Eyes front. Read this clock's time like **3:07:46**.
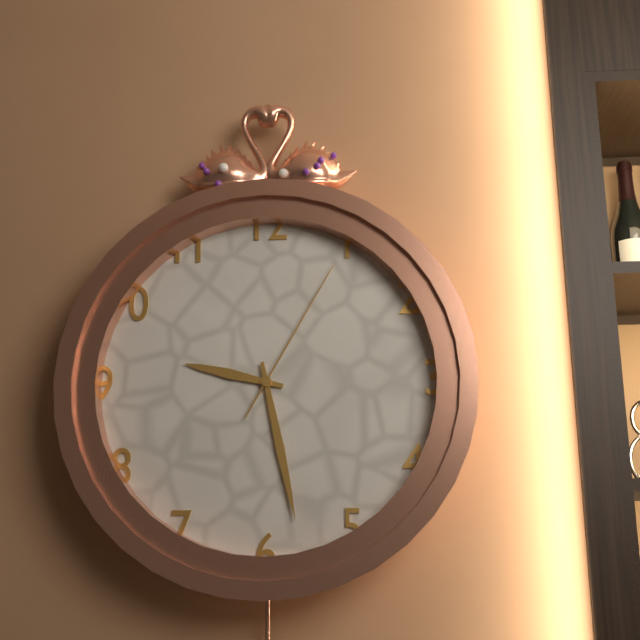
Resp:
**9:28:05**
